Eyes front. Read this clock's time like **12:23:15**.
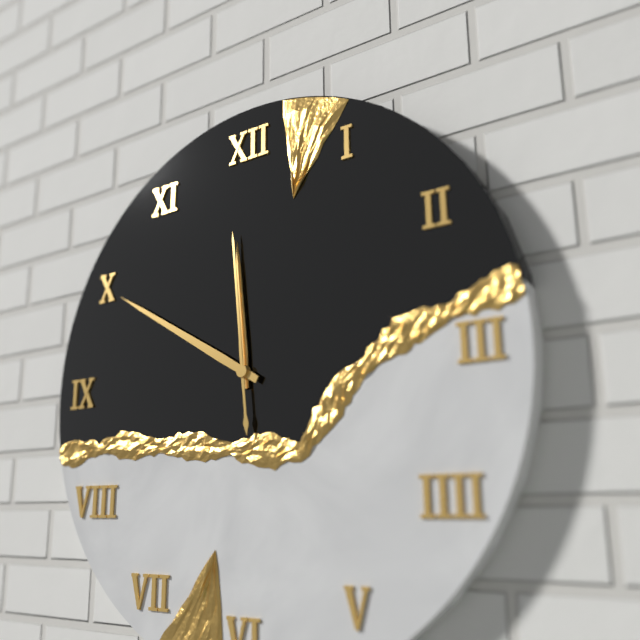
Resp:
**11:50:59**
